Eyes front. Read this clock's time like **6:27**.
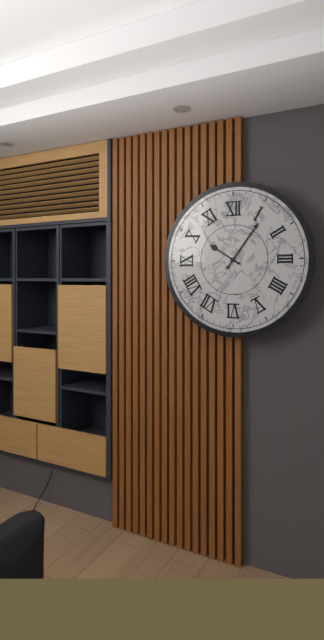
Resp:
**10:06**
